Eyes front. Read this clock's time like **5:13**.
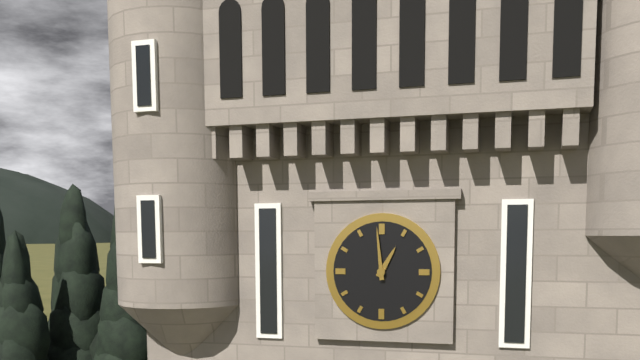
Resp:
**12:59**
